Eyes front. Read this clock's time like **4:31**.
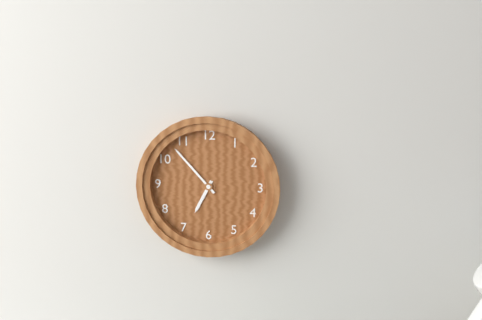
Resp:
**6:53**
